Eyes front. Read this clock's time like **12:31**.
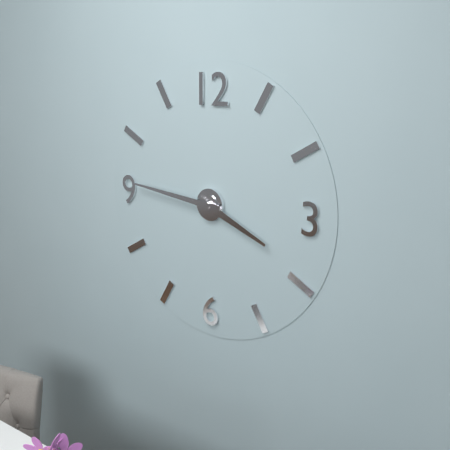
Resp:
**3:46**
